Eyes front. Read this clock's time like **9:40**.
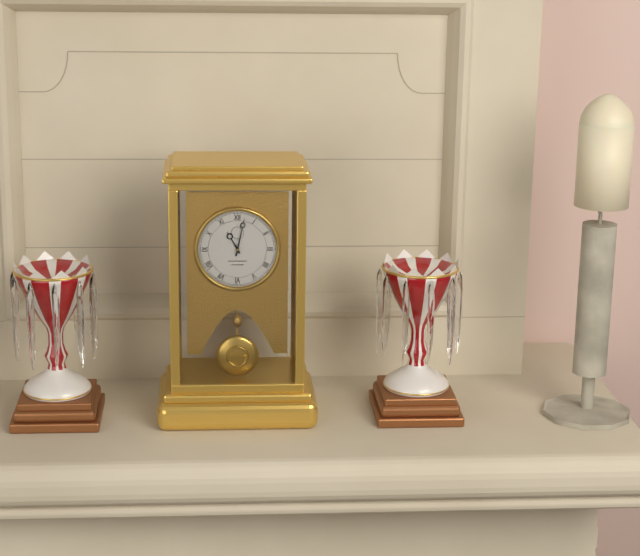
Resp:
**11:02**
